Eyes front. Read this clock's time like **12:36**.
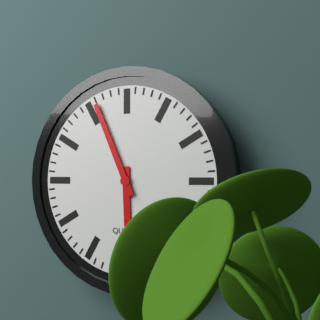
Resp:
**5:56**
